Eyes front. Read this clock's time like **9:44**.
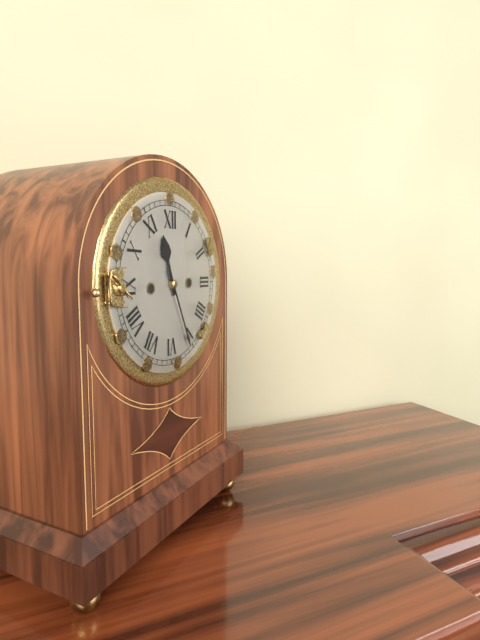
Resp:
**11:26**
